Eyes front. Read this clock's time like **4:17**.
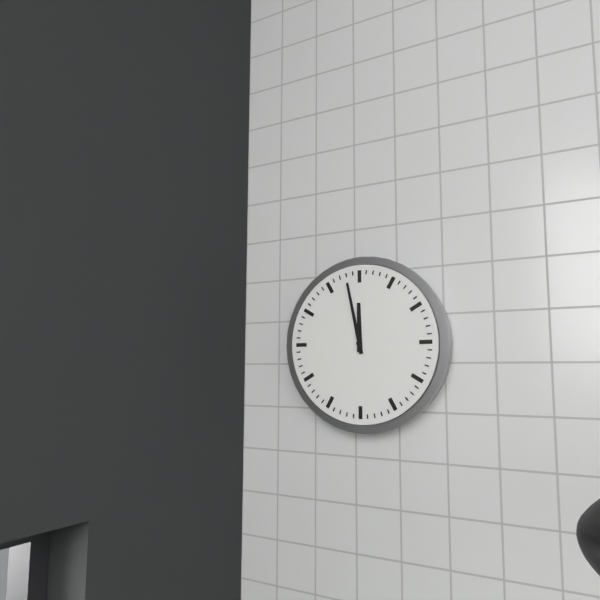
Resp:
**11:58**
